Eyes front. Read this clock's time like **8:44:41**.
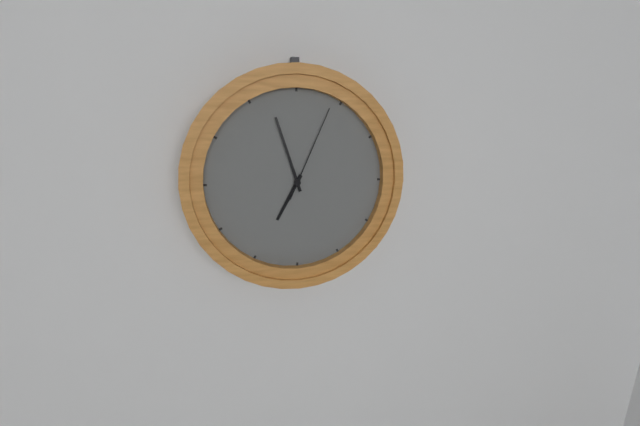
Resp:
**6:57:04**
